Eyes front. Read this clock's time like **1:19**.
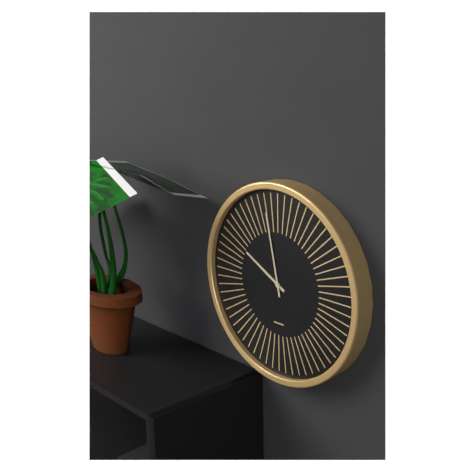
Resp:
**9:58**
